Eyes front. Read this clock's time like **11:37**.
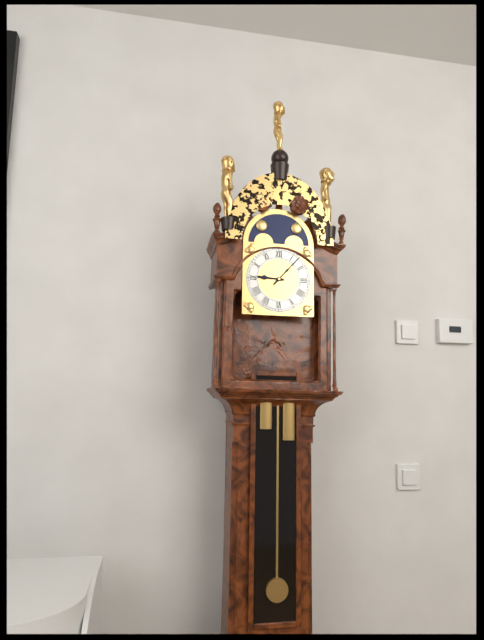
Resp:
**9:07**
